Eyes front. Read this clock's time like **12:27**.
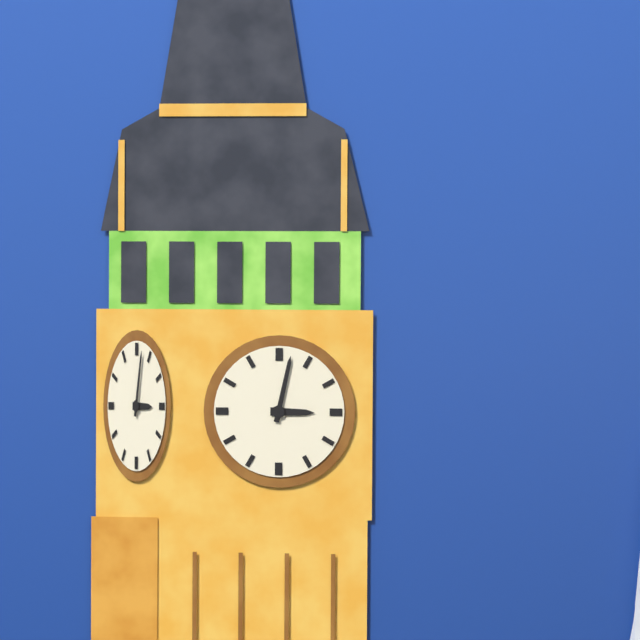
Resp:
**3:02**
